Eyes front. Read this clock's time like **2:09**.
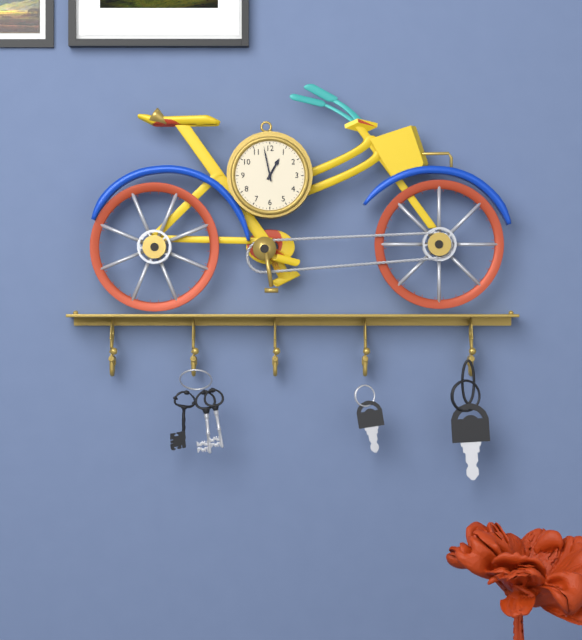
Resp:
**12:58**
